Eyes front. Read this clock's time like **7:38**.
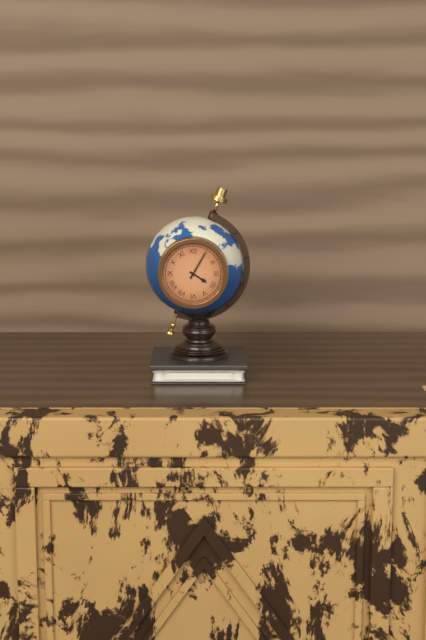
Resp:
**4:05**
